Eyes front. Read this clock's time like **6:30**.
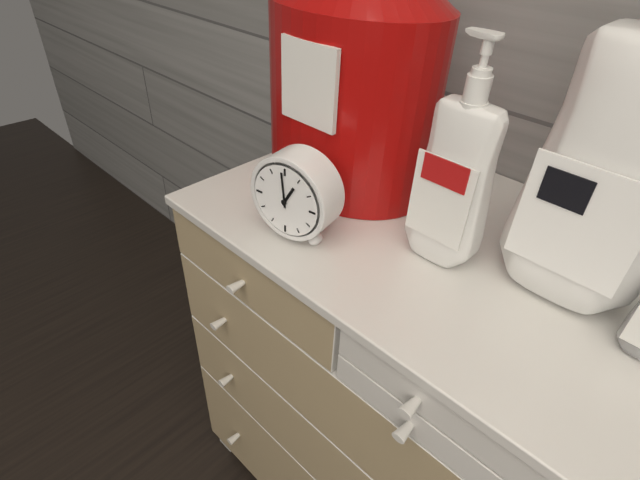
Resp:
**12:59**
